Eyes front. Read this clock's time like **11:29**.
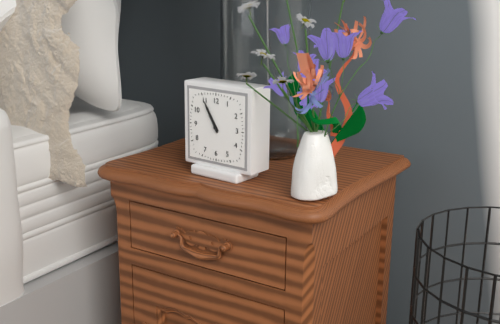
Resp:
**10:55**
